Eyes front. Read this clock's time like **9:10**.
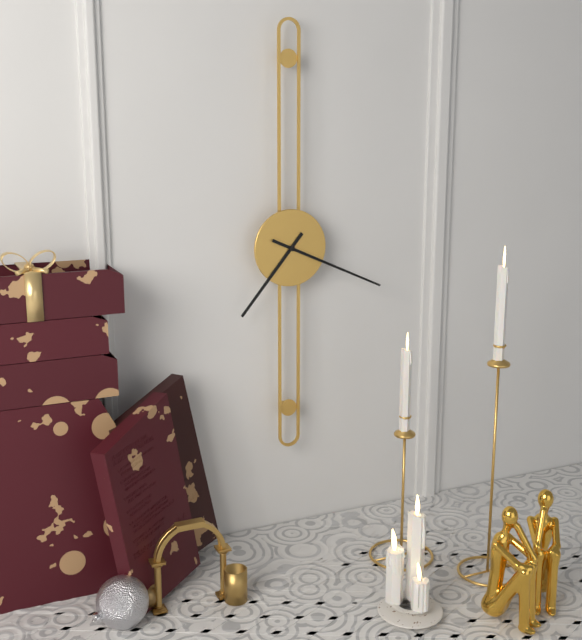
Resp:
**7:19**
